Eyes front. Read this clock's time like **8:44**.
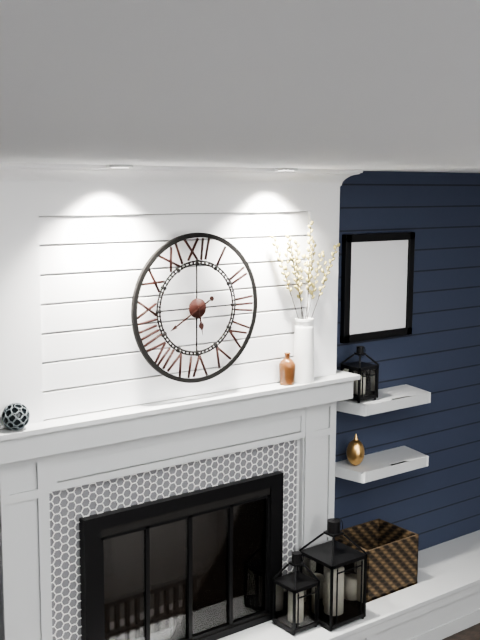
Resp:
**5:40**
